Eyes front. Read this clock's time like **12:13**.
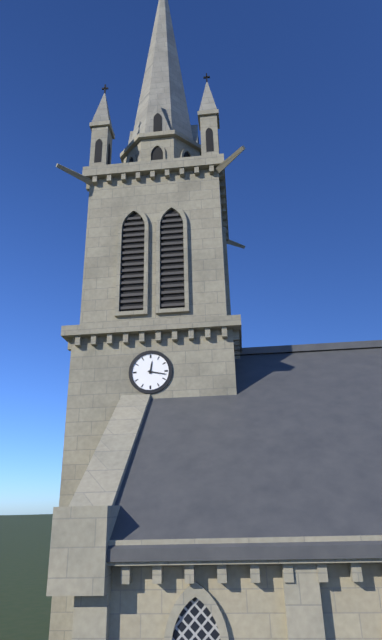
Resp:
**12:17**
